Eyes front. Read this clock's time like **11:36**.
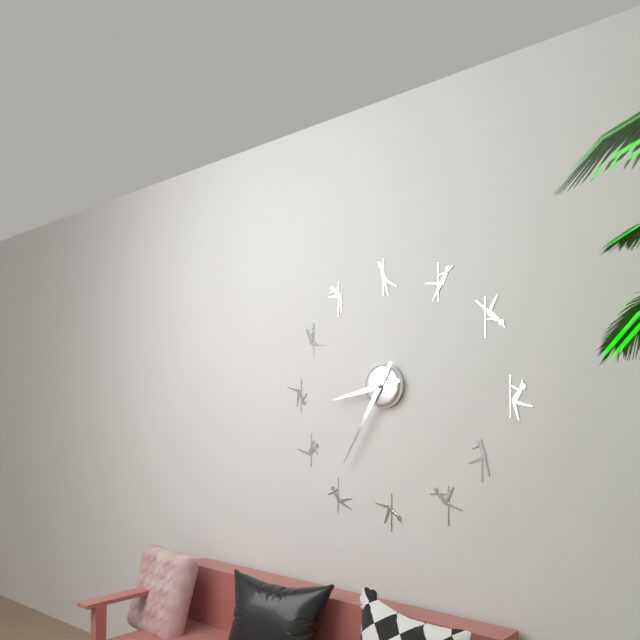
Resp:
**8:35**
